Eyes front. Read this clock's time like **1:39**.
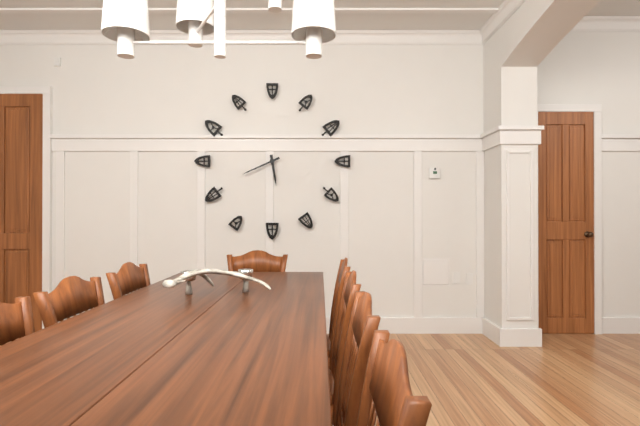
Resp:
**5:41**
